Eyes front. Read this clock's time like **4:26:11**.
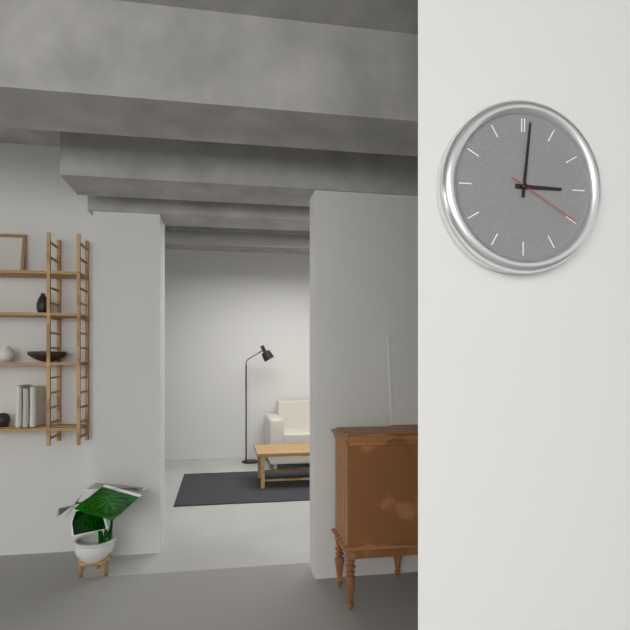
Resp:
**3:01:20**
